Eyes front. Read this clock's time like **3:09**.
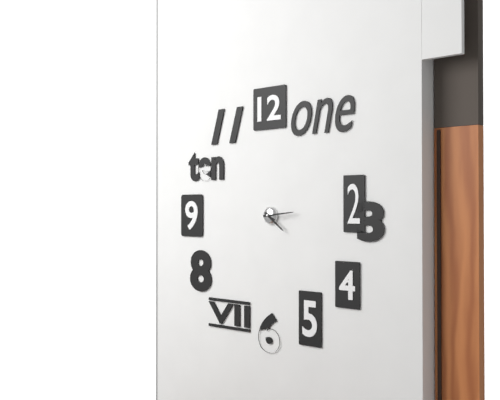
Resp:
**4:14**
